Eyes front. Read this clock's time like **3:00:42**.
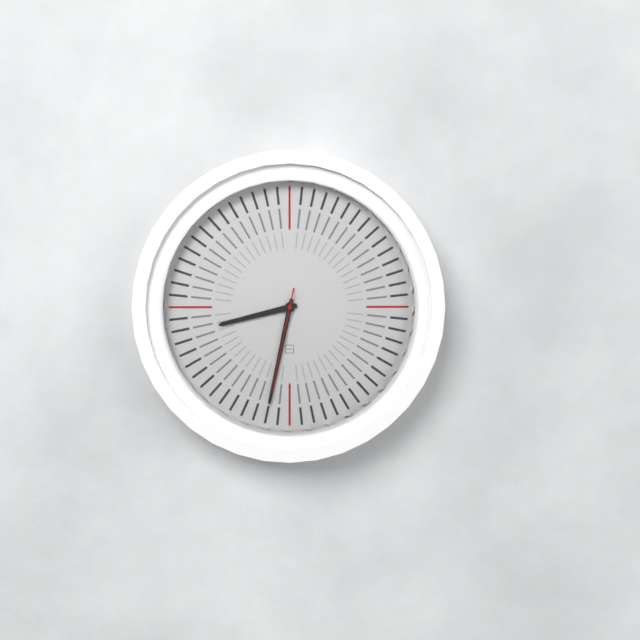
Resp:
**8:32:32**
